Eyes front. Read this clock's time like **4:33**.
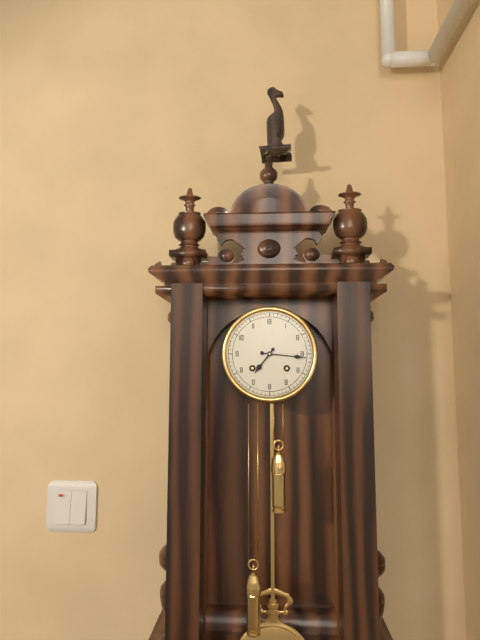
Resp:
**7:16**
